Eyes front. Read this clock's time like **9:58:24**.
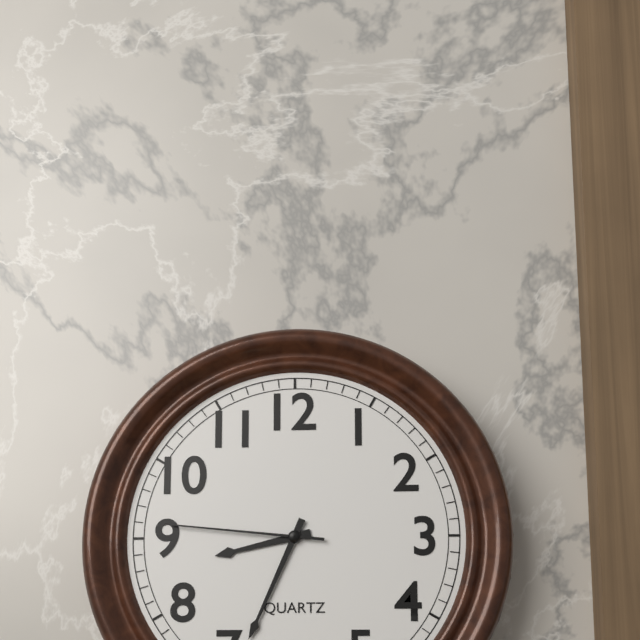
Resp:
**8:34:46**
